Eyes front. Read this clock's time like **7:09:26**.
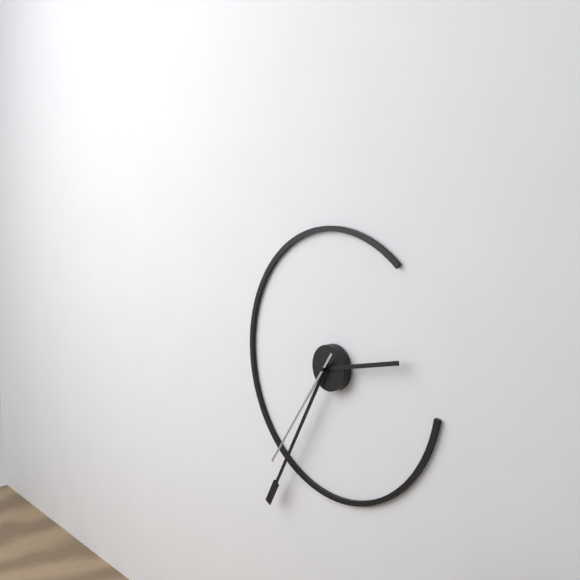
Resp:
**2:35:36**
